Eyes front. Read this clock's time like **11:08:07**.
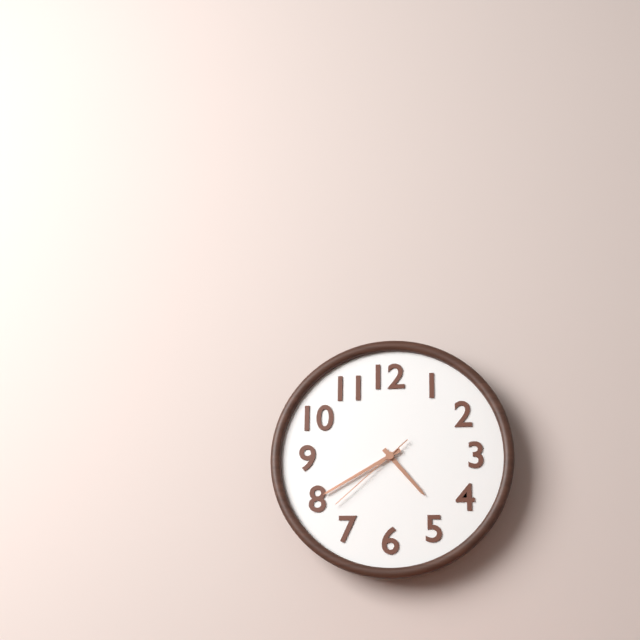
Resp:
**4:40:38**
